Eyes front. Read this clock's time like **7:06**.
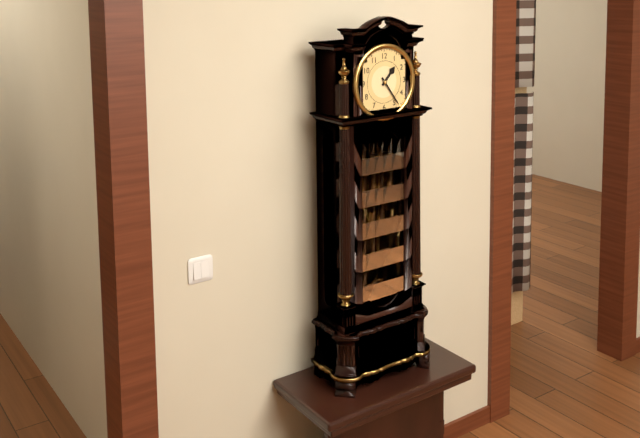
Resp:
**1:24**
